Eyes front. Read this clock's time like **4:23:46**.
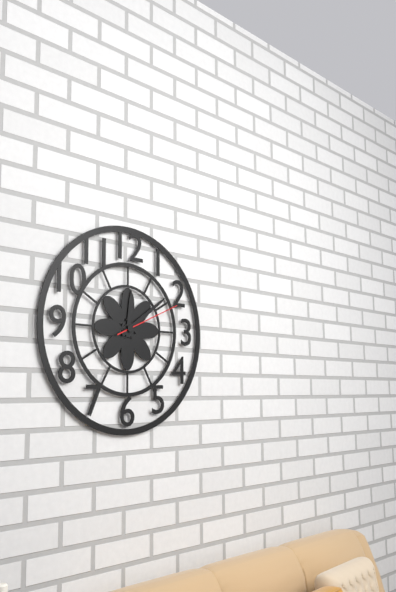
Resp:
**12:09:11**
